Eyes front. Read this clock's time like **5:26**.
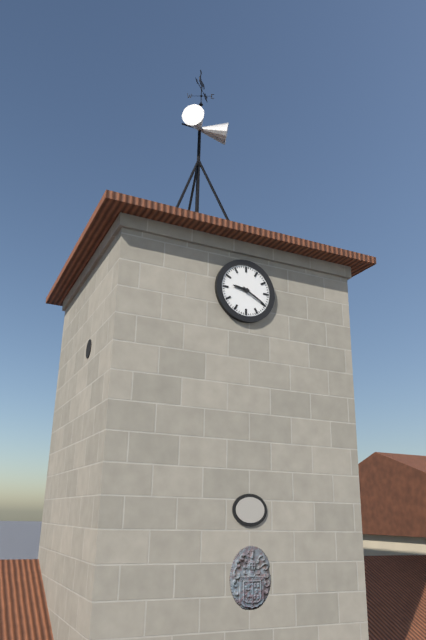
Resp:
**9:20**
